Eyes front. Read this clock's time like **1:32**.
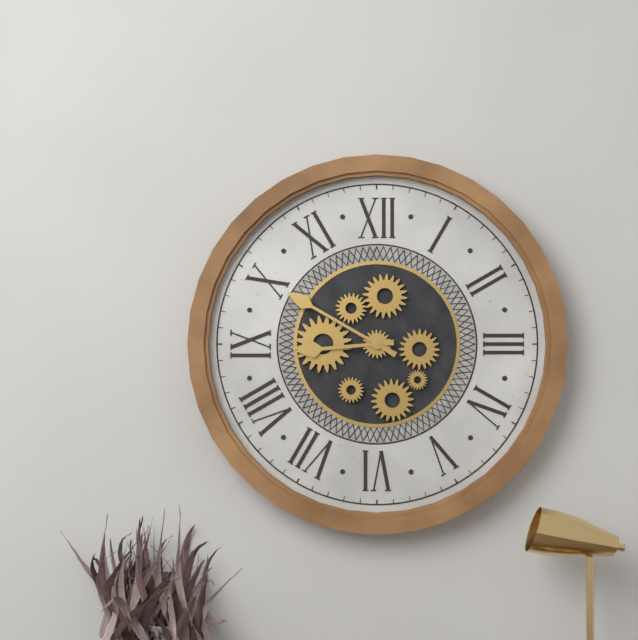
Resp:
**8:50**
